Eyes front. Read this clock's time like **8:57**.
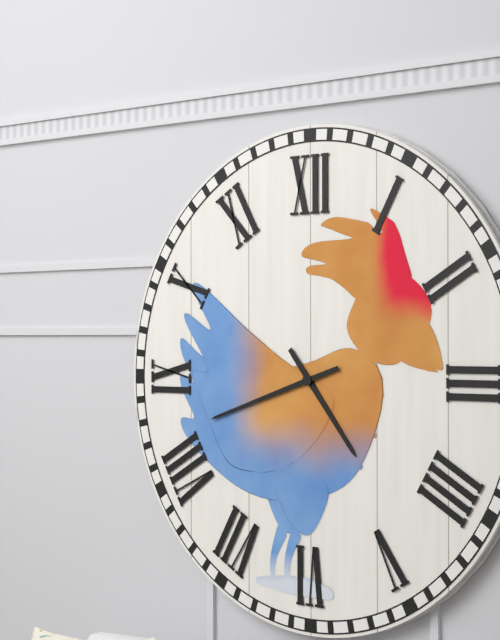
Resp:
**4:42**
